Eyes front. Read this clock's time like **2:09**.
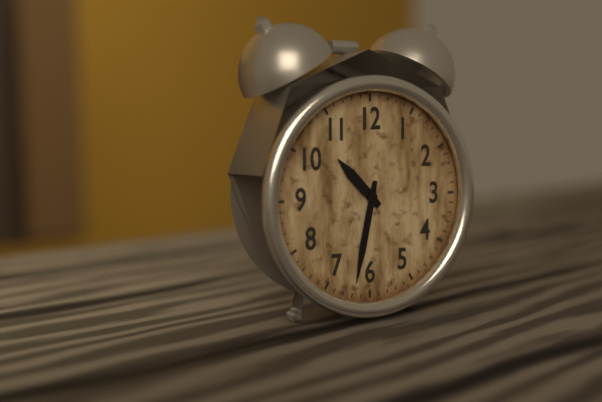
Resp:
**10:32**
